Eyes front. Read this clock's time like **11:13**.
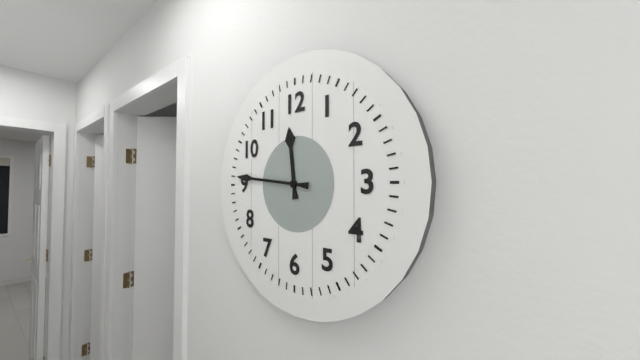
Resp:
**11:46**
